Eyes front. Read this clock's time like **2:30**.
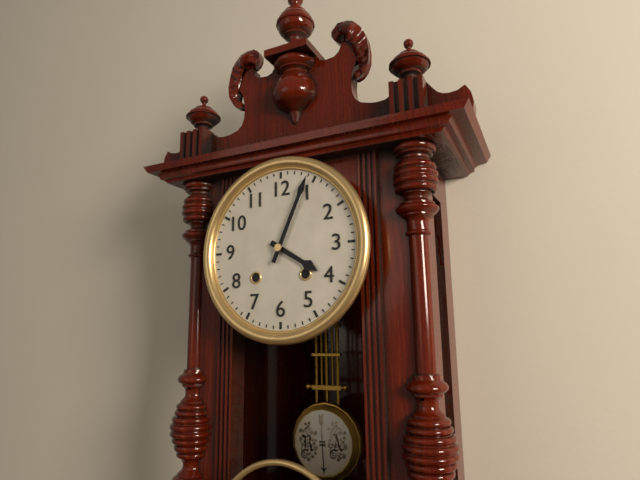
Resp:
**4:04**
